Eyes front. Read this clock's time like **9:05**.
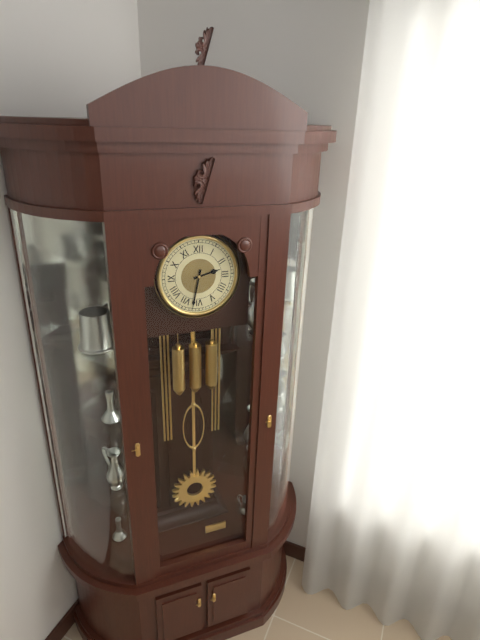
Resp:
**2:32**
